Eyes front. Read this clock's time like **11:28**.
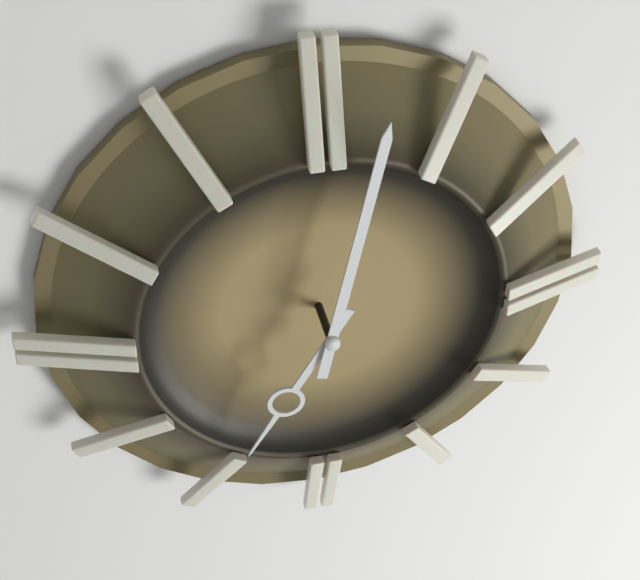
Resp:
**7:02**
